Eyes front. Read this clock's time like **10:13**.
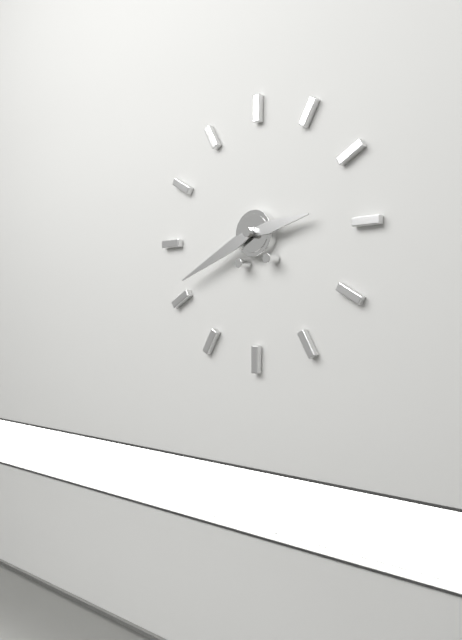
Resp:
**2:41**
